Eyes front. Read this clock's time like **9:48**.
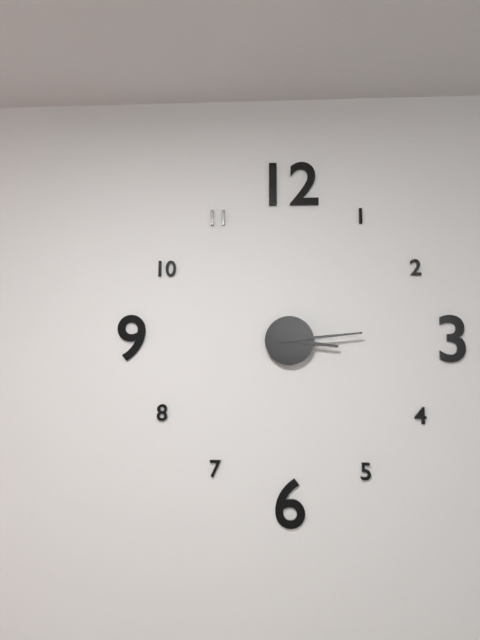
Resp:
**3:14**
